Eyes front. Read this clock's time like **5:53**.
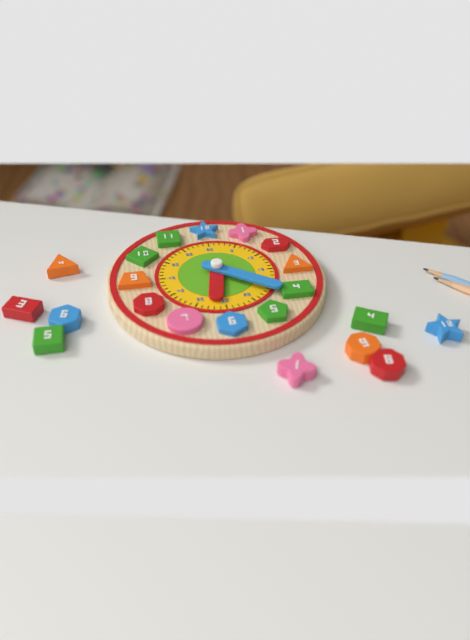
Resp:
**6:21**
